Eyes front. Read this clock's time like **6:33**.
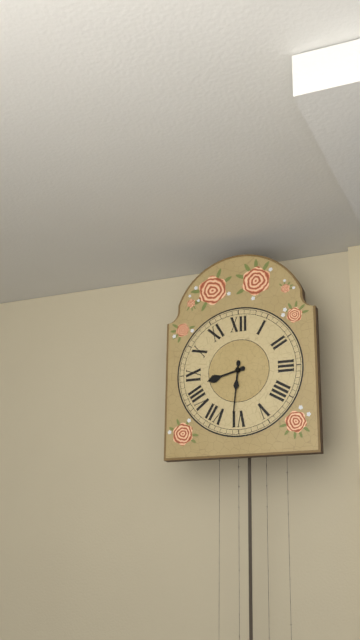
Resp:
**8:31**
